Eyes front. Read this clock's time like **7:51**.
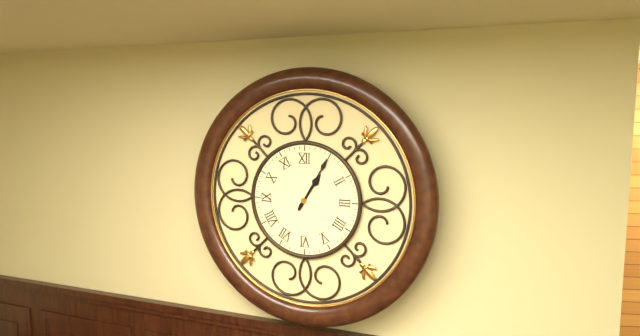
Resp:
**1:05**
